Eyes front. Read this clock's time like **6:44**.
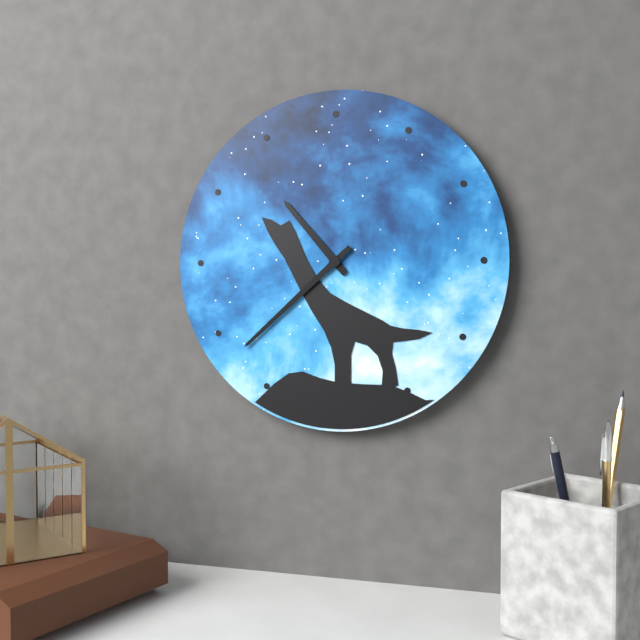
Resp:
**10:38**
